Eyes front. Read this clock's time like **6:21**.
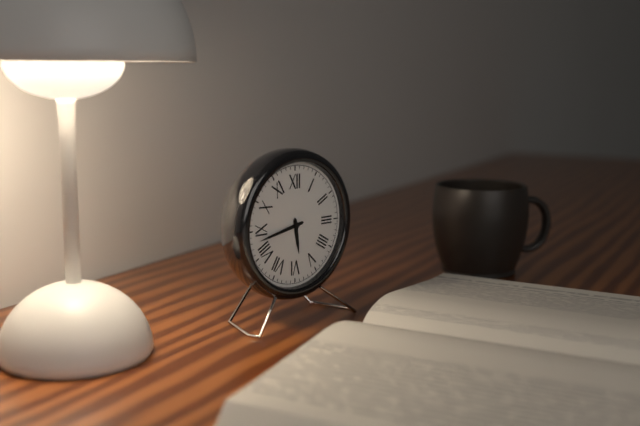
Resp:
**5:43**
